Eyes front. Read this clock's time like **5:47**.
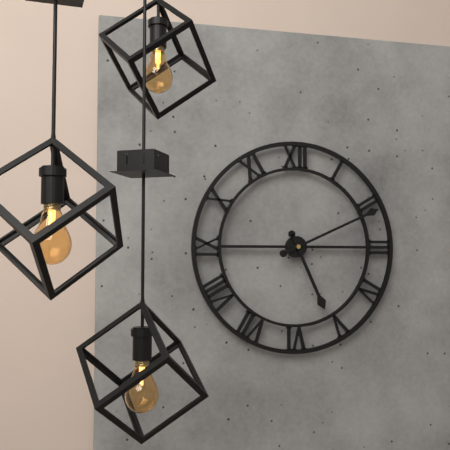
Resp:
**5:11**
